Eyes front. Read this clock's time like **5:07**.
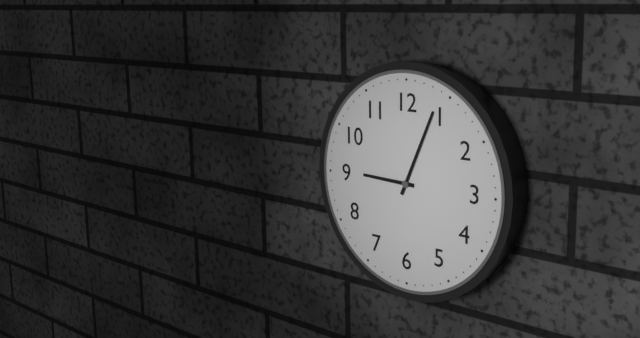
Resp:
**9:04**
